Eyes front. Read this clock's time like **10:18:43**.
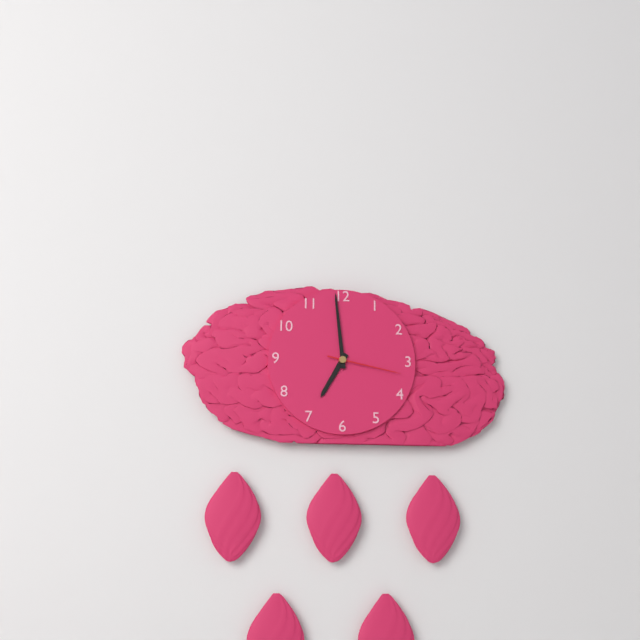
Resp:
**6:59:17**
